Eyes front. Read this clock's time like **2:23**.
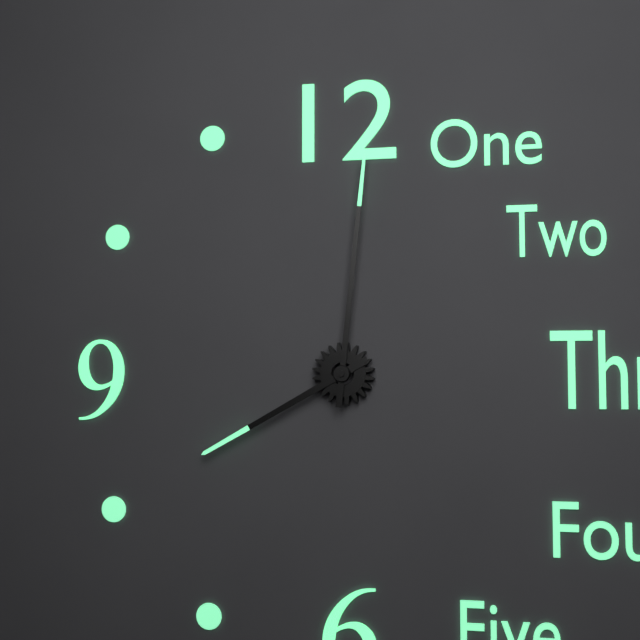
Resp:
**8:01**
